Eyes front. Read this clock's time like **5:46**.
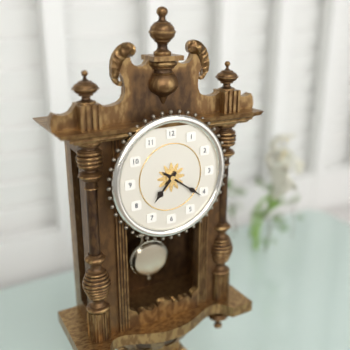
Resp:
**7:21**
